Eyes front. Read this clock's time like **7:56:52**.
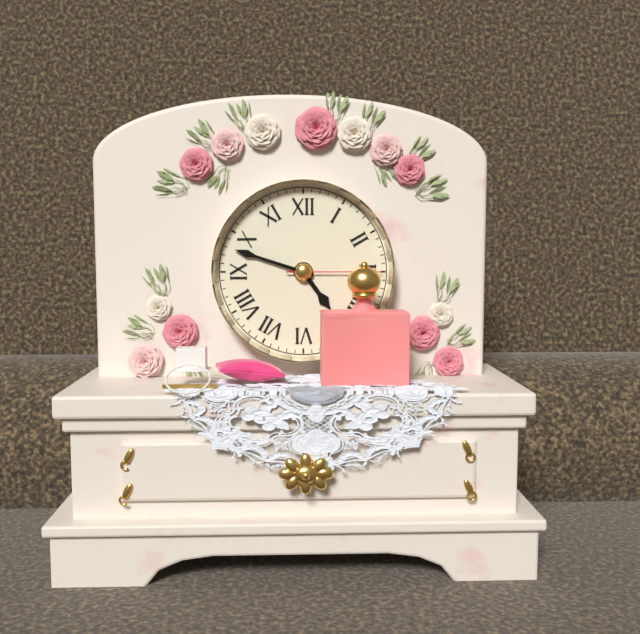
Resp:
**4:48:15**
